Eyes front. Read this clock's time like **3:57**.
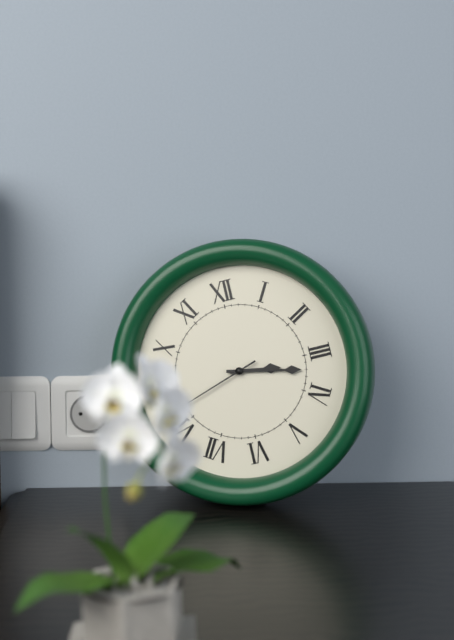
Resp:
**3:17**
